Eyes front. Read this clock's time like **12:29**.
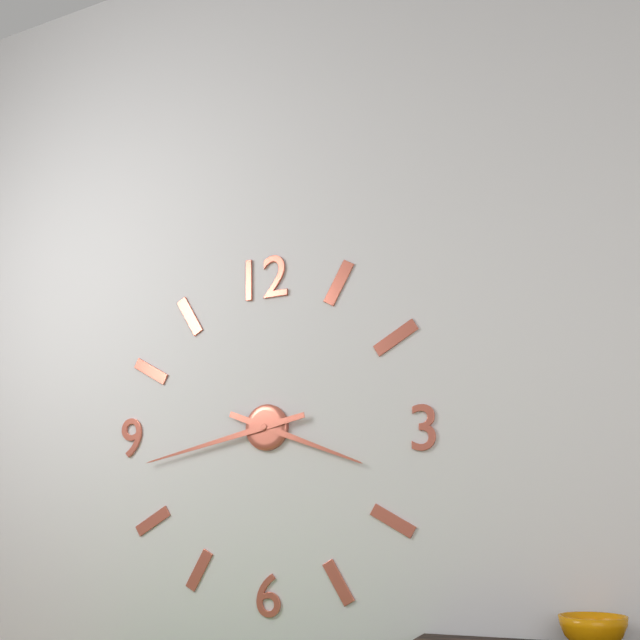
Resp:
**3:43**
